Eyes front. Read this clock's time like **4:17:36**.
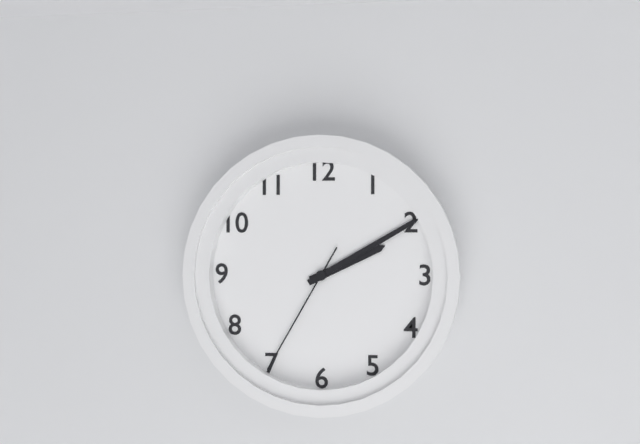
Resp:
**2:10:35**
